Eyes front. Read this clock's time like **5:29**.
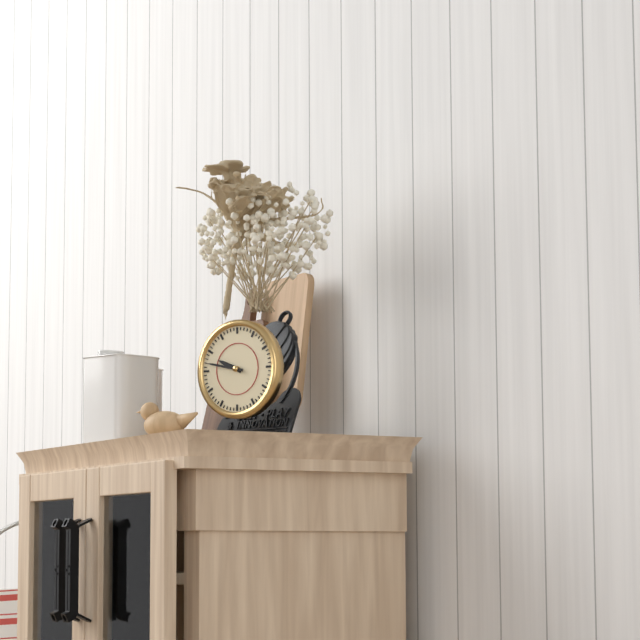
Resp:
**9:47**
